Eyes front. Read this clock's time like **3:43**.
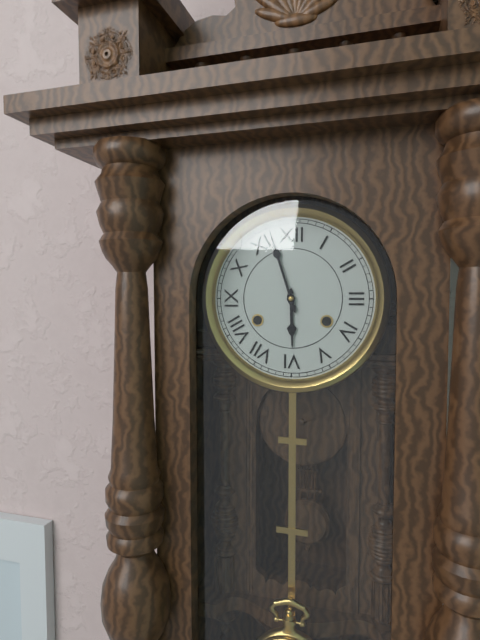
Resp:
**5:57**
